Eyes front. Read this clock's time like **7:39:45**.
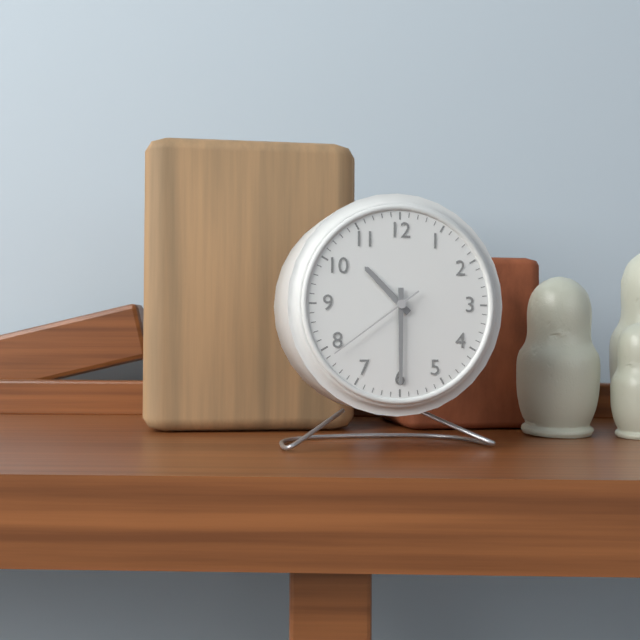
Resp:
**10:30:39**
